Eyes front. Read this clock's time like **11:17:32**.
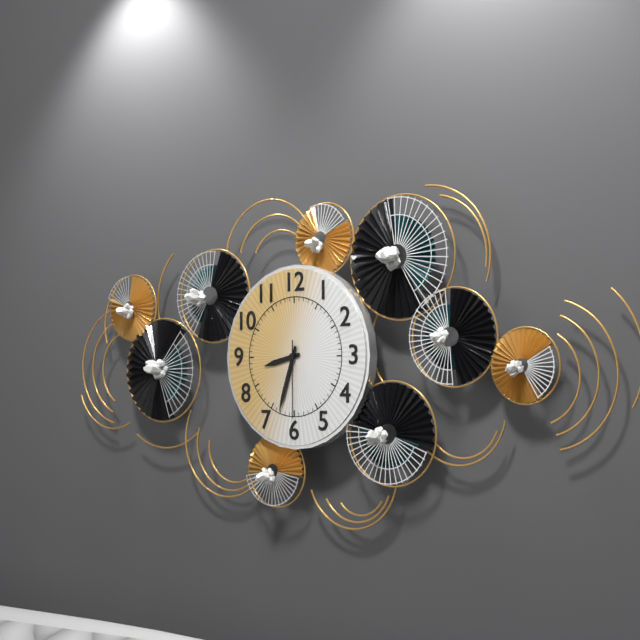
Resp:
**8:33:30**
